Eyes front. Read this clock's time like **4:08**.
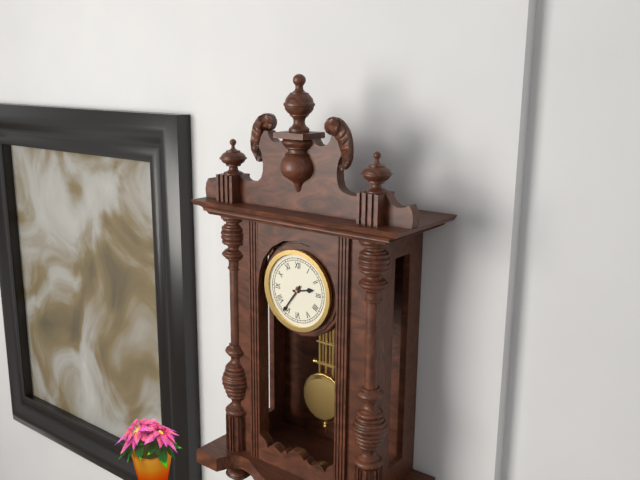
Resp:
**2:36**
